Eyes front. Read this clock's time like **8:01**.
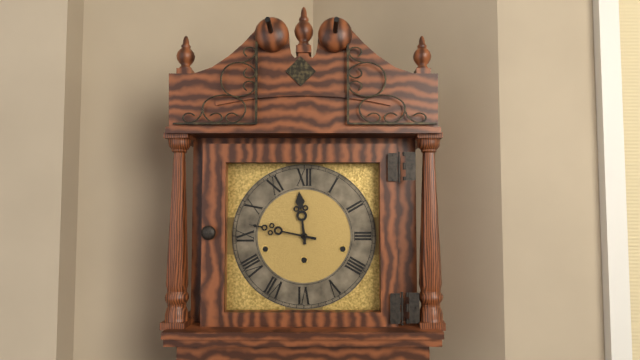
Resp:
**11:47**
